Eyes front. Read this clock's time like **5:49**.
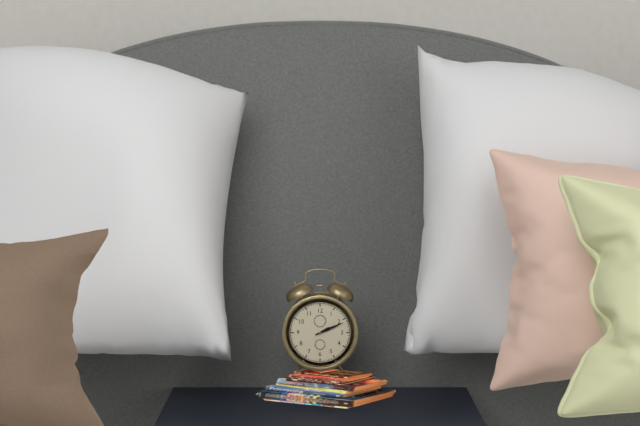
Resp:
**2:11**
